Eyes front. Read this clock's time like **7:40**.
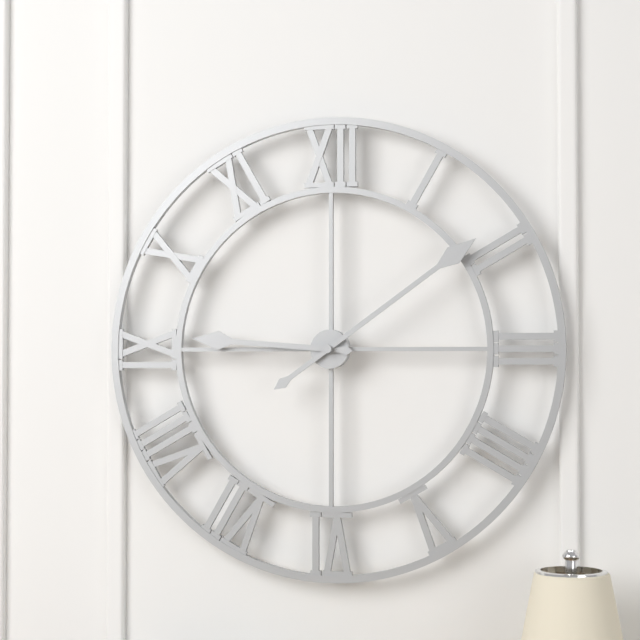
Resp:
**9:09**
